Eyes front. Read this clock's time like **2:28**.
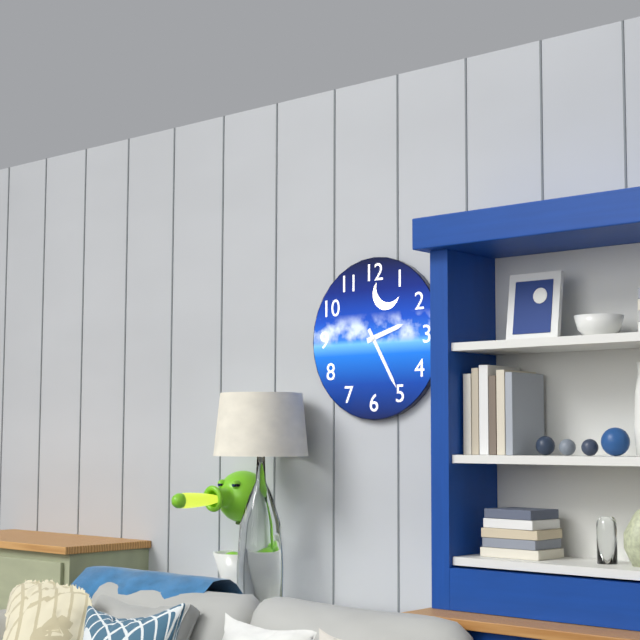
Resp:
**2:25**
